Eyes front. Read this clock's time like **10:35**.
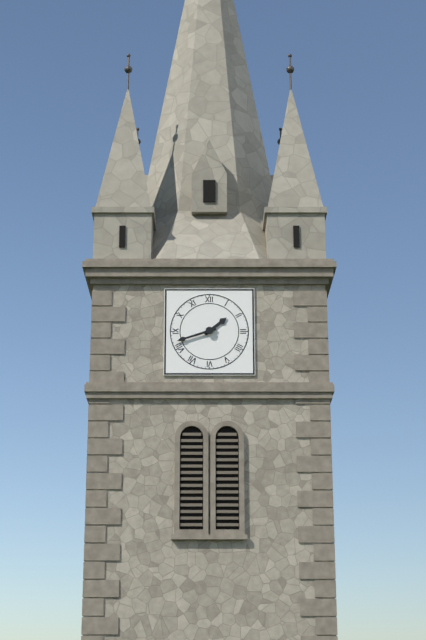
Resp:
**1:42**
